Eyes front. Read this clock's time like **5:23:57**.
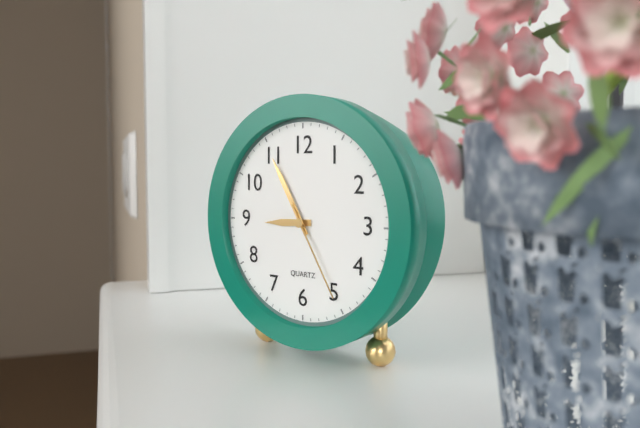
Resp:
**8:55:25**
